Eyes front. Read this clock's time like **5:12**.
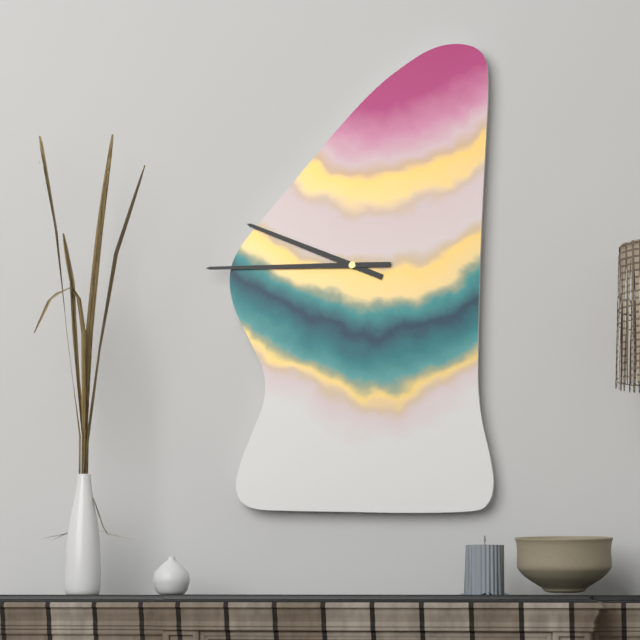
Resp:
**9:45**
